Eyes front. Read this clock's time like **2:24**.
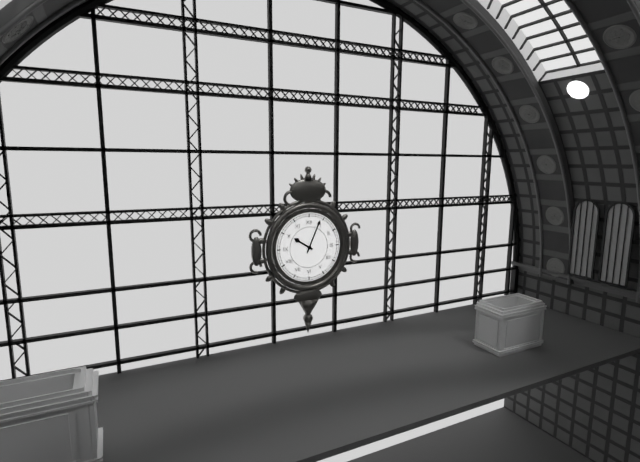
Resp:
**10:04**
